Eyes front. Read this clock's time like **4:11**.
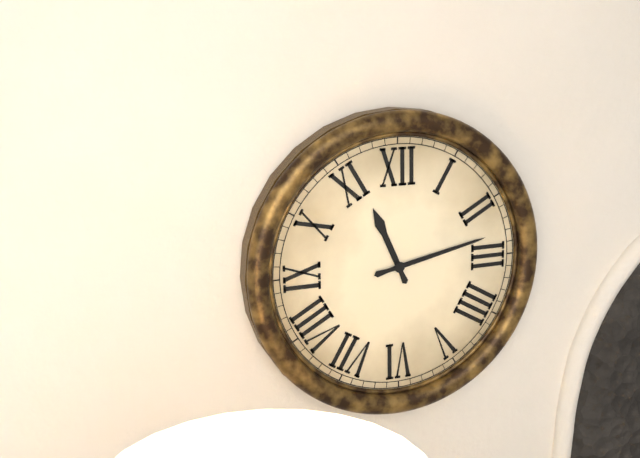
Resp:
**11:13**
